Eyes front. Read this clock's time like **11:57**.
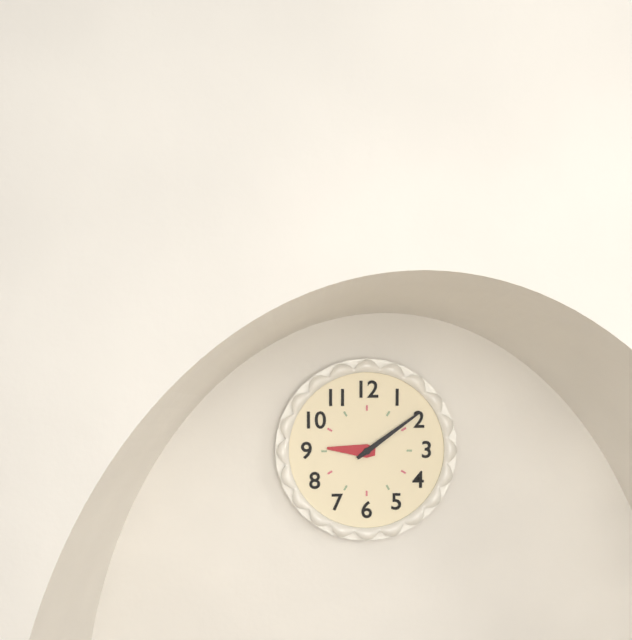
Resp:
**9:09**
